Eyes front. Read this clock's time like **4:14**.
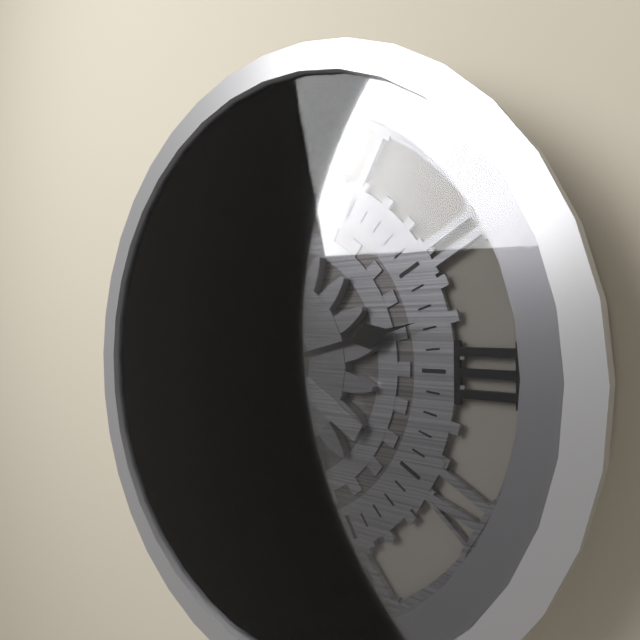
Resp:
**2:32**
